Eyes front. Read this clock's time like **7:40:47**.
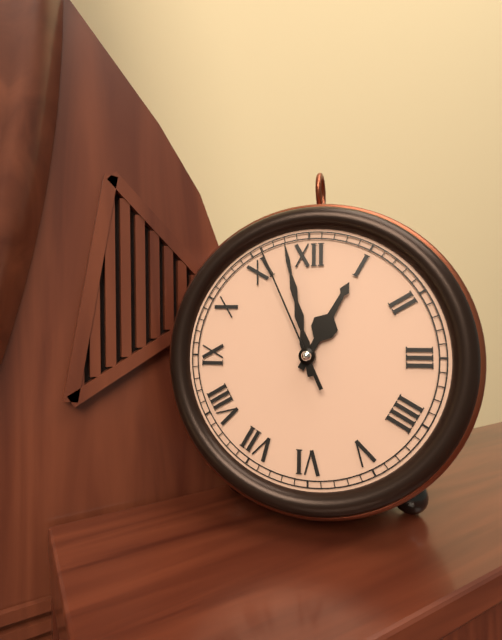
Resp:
**12:58:56**
